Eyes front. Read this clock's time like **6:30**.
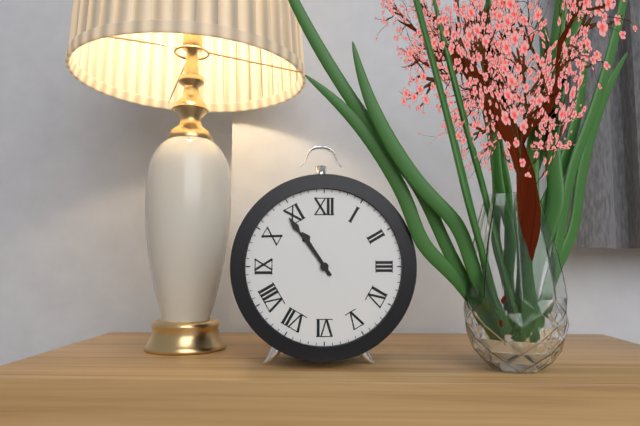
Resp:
**10:54**
